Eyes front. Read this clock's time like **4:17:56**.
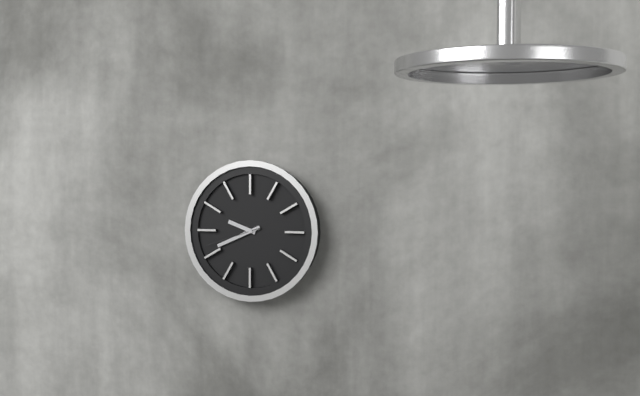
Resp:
**9:41:42**
